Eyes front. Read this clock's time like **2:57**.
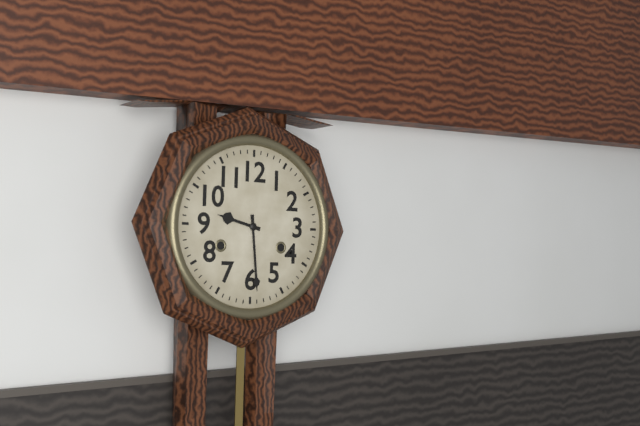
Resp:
**9:29**
